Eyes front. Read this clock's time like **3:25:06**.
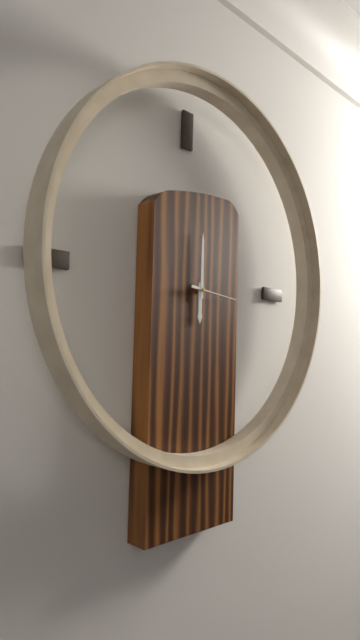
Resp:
**6:00:16**
